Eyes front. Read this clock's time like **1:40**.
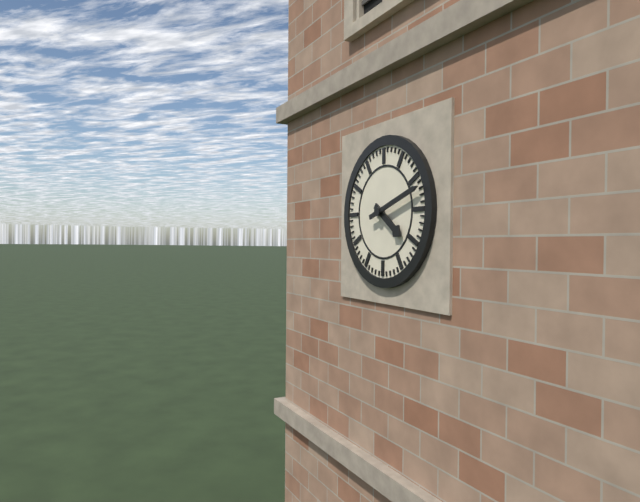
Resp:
**4:12**
